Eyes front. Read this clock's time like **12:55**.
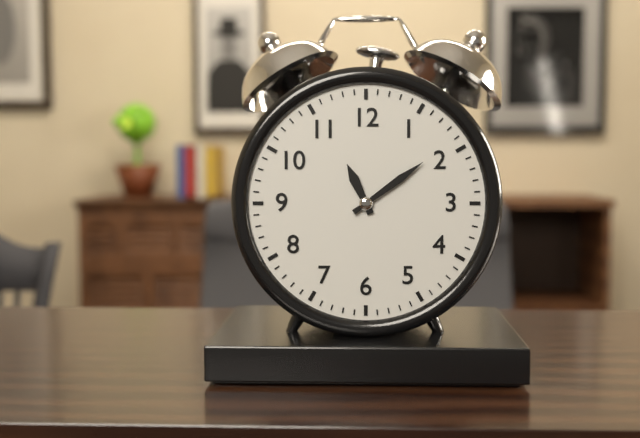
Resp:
**11:09**
